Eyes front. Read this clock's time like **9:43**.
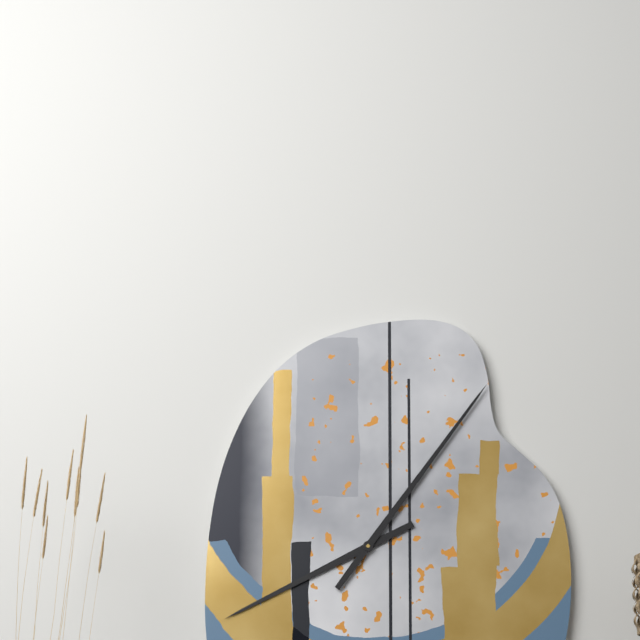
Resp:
**8:06**
